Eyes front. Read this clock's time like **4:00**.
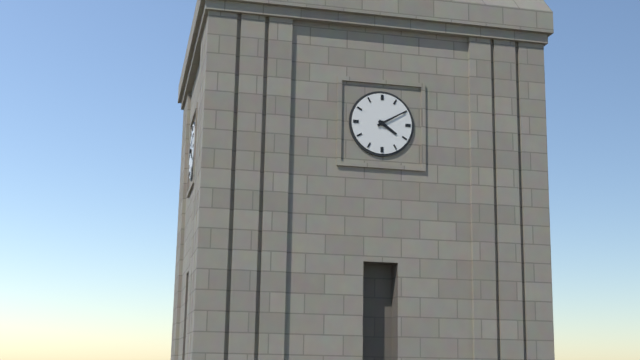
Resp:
**4:10**
